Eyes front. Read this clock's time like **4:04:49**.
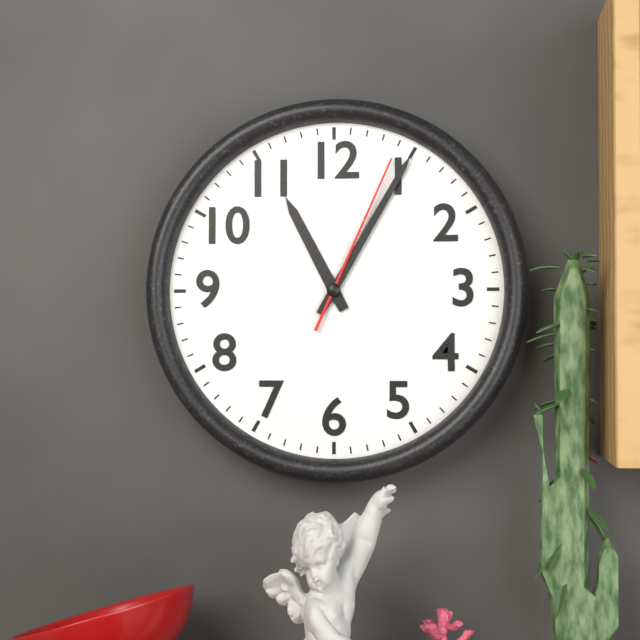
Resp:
**11:05:04**
